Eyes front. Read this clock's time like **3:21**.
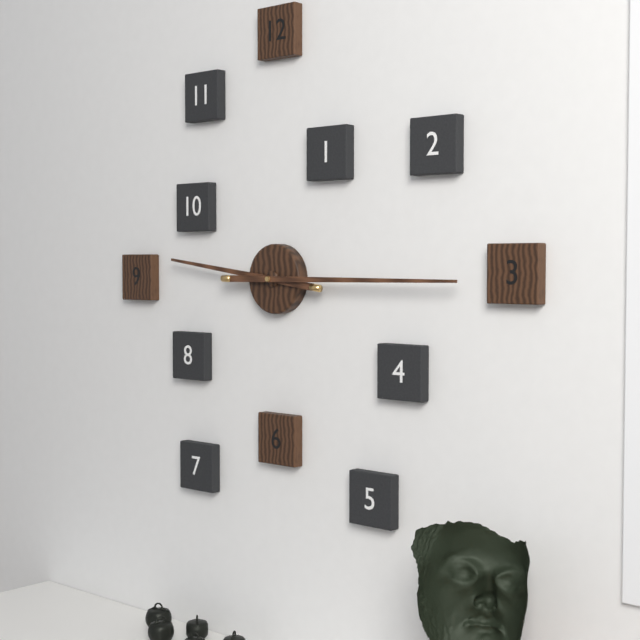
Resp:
**9:15**
